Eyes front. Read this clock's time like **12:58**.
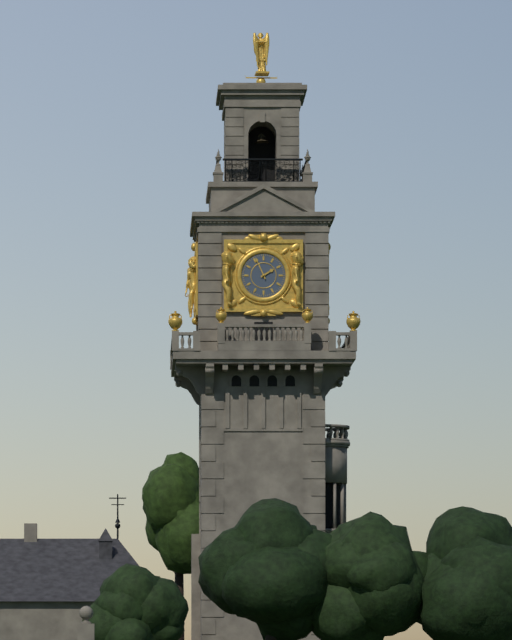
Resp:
**1:56**
